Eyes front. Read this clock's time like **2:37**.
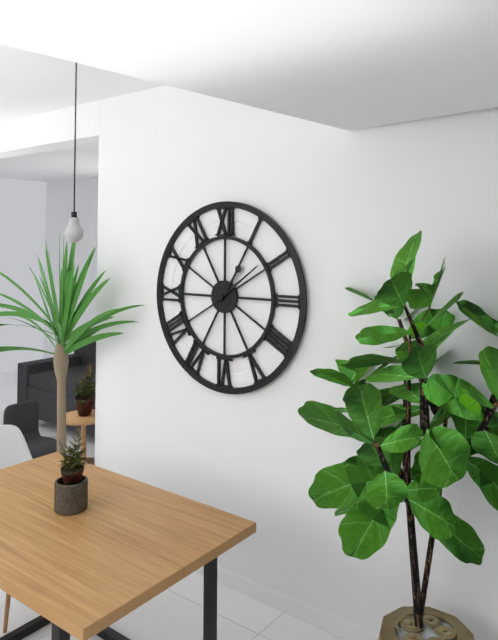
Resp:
**1:09**
